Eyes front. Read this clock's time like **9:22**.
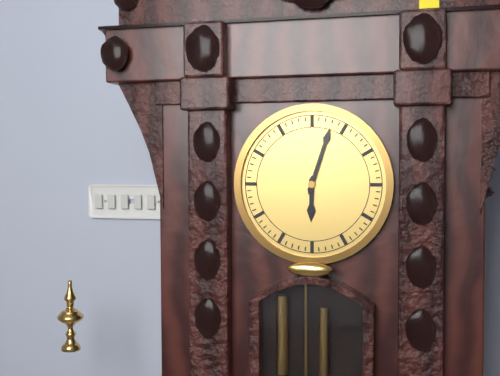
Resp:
**6:03**
